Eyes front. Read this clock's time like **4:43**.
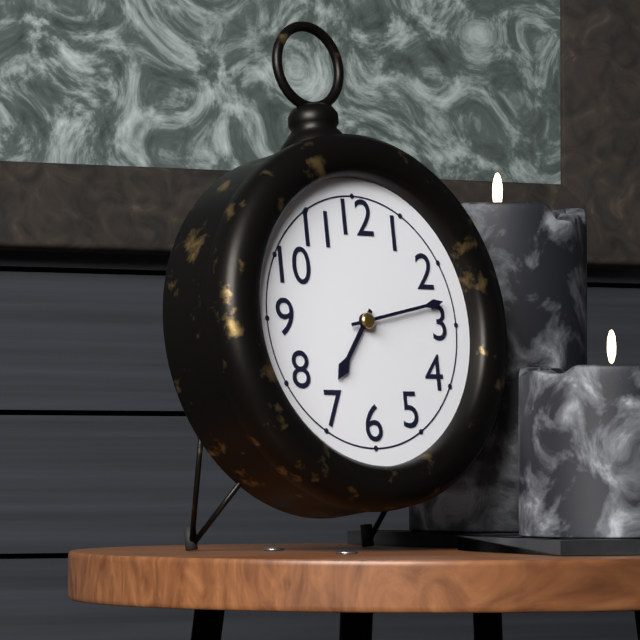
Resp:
**7:13**
